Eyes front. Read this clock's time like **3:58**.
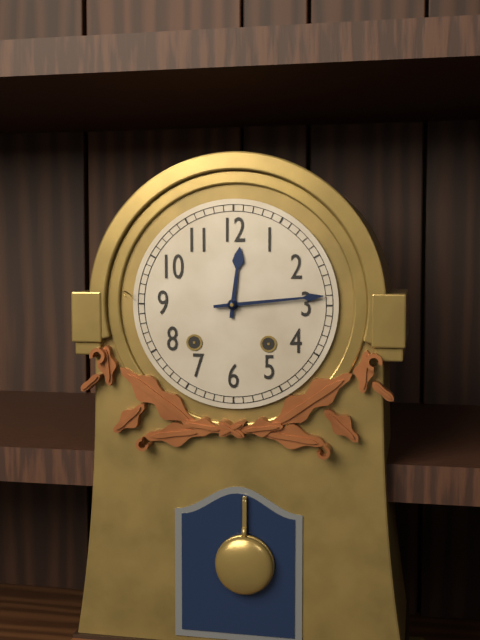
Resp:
**12:14**
